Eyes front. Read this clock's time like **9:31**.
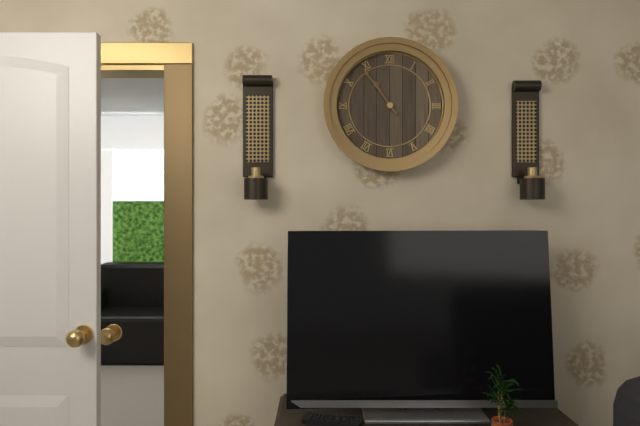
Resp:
**10:54**
